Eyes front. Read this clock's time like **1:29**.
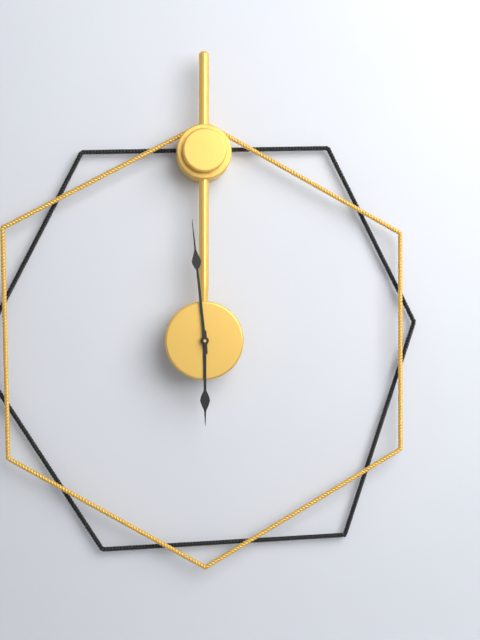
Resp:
**5:59**
